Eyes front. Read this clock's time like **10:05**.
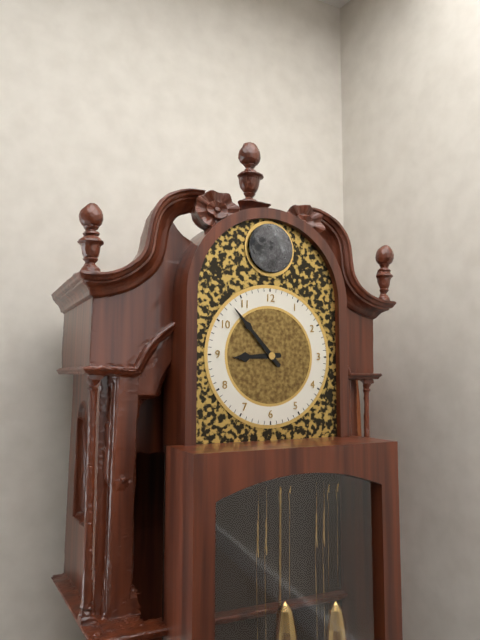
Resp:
**8:53**
